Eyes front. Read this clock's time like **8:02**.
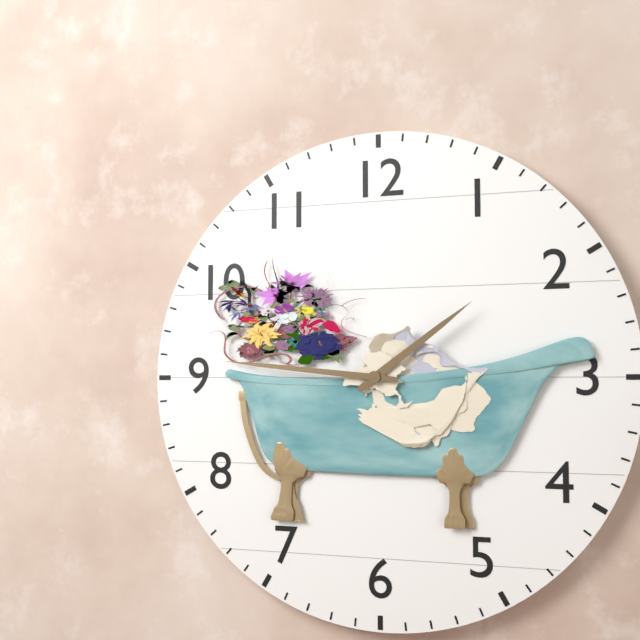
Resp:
**1:46**
